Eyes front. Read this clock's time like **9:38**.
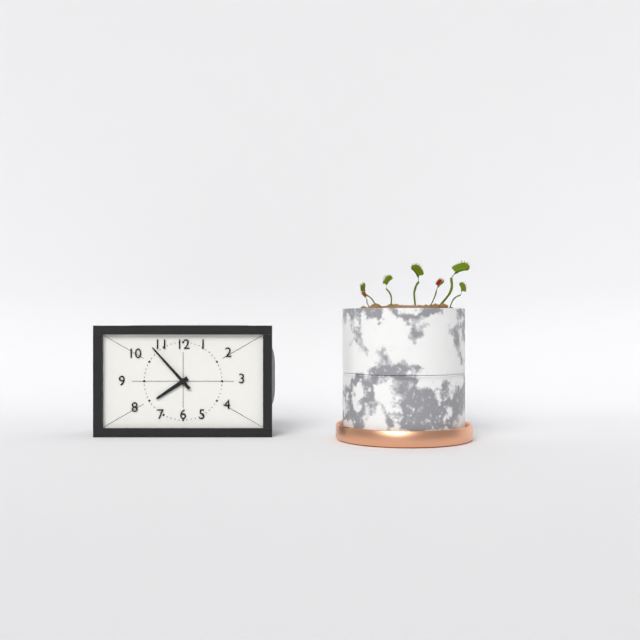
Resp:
**7:53**
